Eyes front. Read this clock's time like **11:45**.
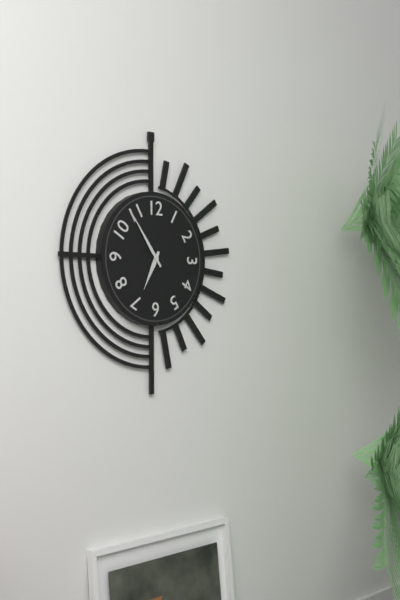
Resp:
**6:54**
